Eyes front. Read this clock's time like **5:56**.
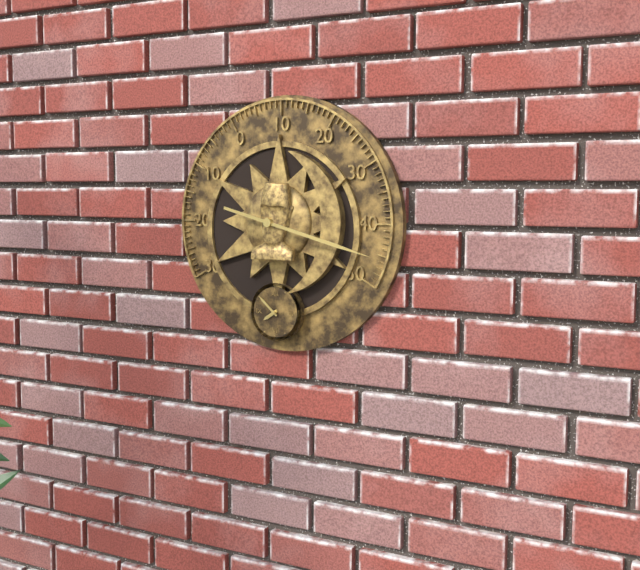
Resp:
**7:52**
